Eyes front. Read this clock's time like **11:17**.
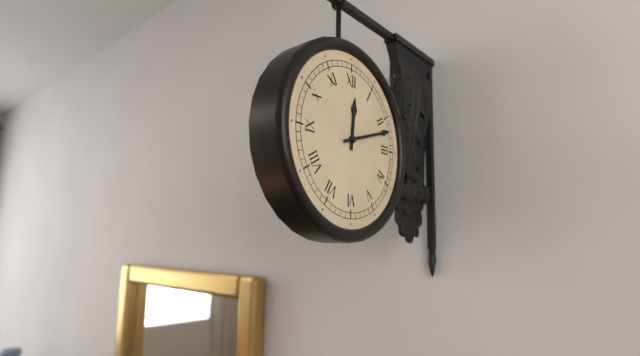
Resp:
**12:12**
